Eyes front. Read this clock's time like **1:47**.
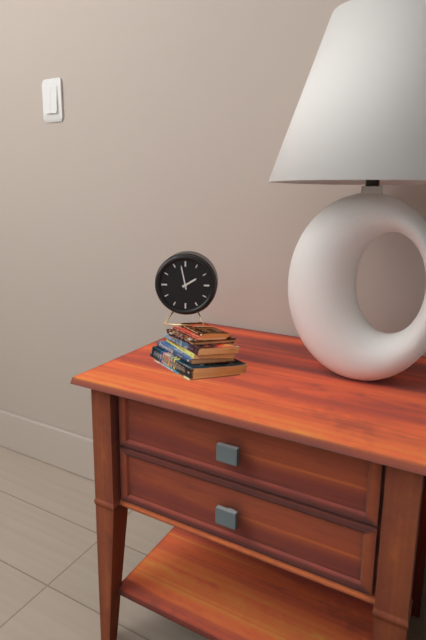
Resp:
**1:58**
